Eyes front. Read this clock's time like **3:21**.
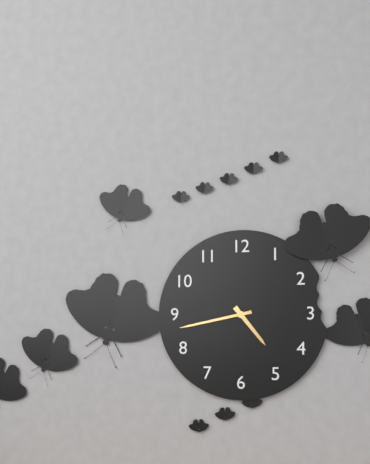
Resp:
**4:43**
